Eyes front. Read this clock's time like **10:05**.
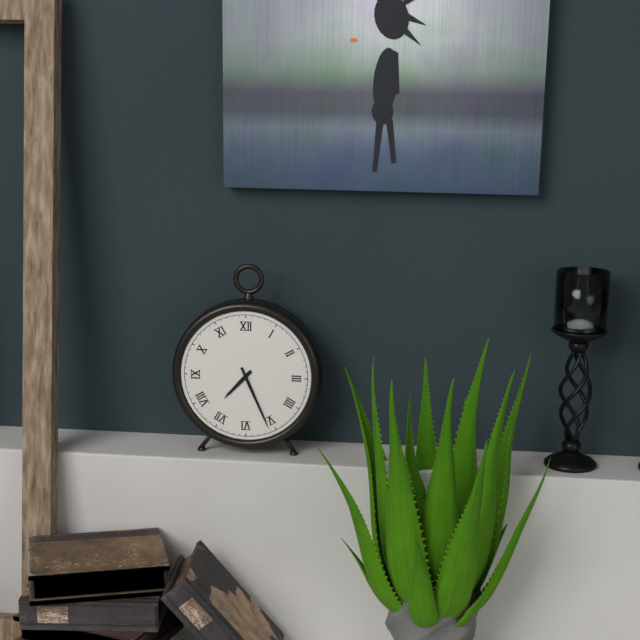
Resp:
**7:26**
